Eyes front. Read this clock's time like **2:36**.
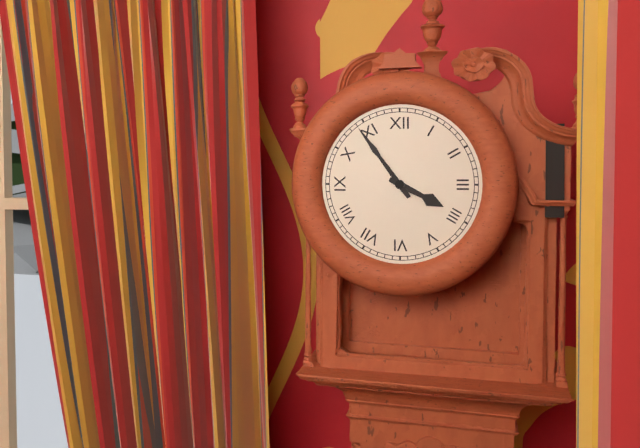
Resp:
**3:54**
